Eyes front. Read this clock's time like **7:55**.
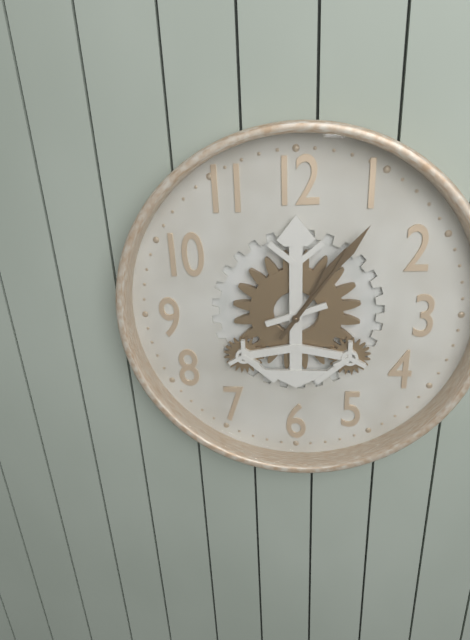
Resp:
**1:06**
